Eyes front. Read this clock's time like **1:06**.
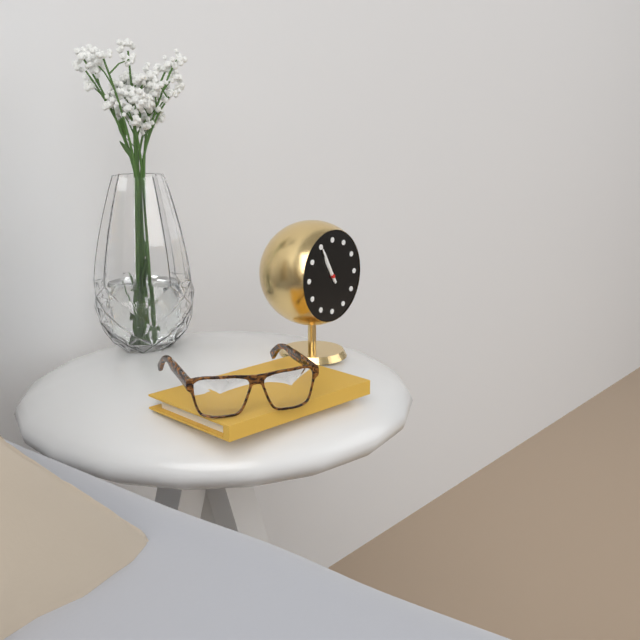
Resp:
**10:55**
